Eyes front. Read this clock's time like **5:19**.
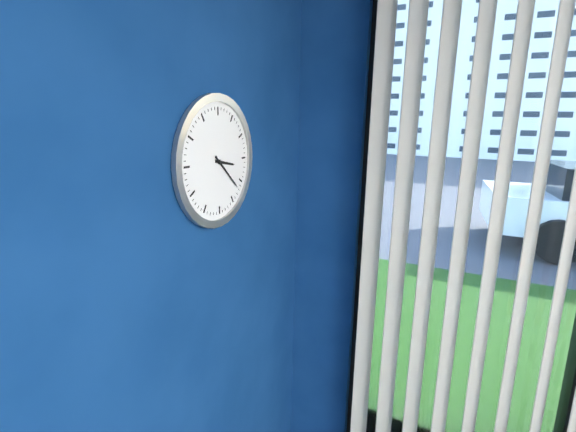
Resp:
**3:22**
